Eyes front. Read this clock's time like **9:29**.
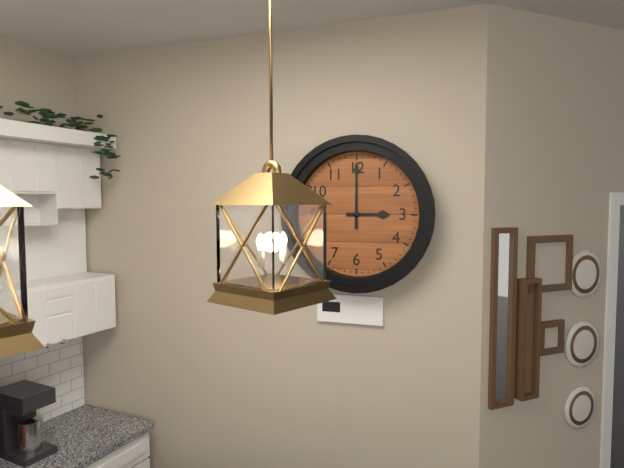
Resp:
**3:00**
